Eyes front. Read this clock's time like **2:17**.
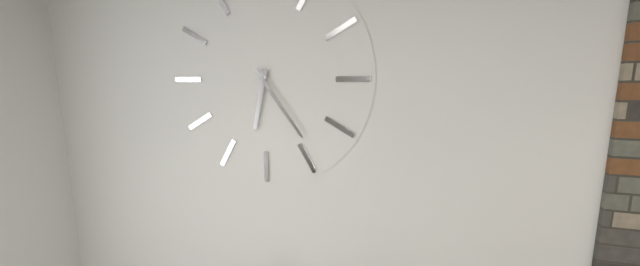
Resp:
**6:24**
